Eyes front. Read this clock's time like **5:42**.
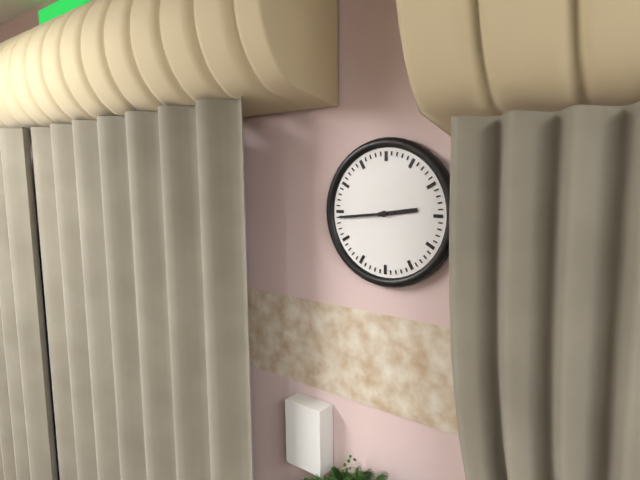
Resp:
**2:44**
